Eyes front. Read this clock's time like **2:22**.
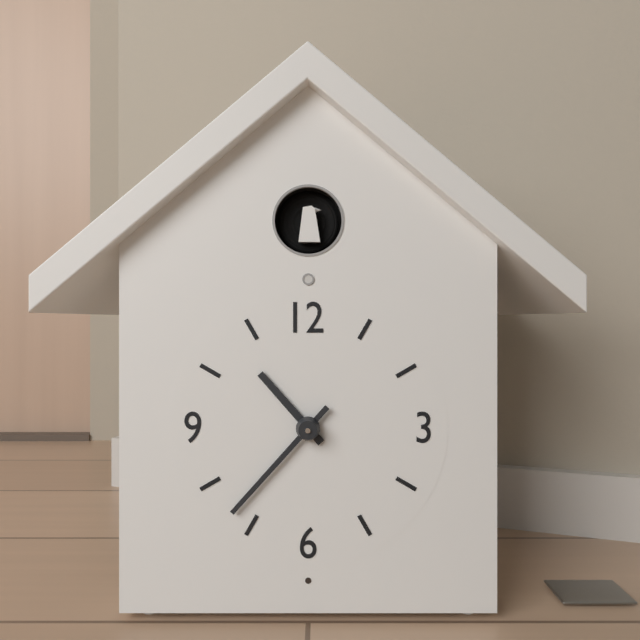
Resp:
**10:37**
